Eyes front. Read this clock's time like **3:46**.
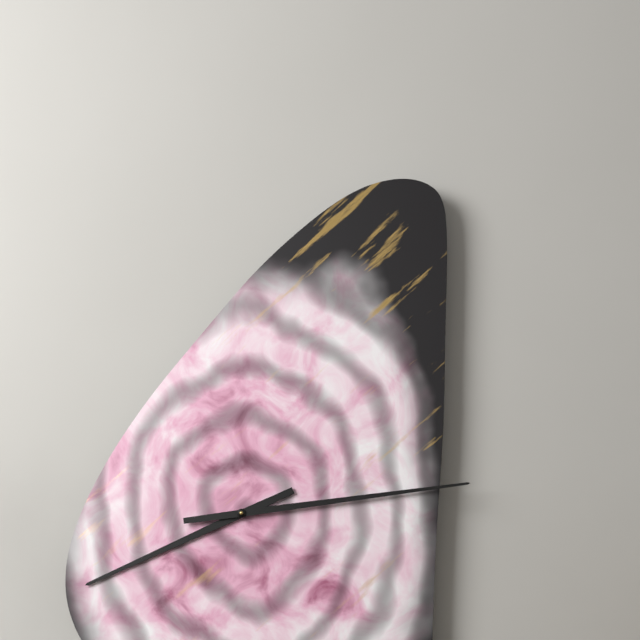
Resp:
**8:14**
